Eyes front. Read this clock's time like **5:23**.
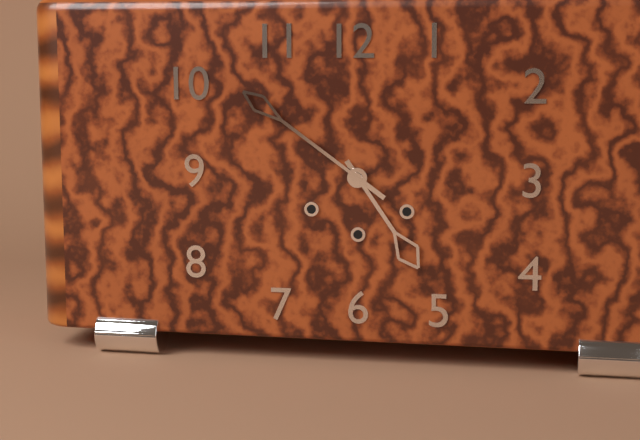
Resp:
**4:51**
